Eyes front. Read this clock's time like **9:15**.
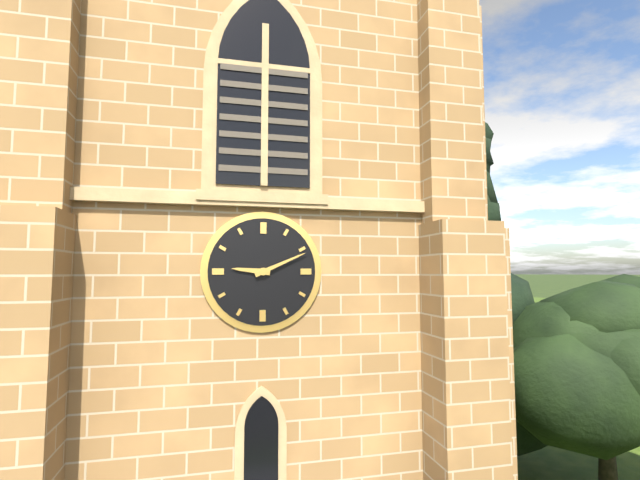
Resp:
**9:11**
